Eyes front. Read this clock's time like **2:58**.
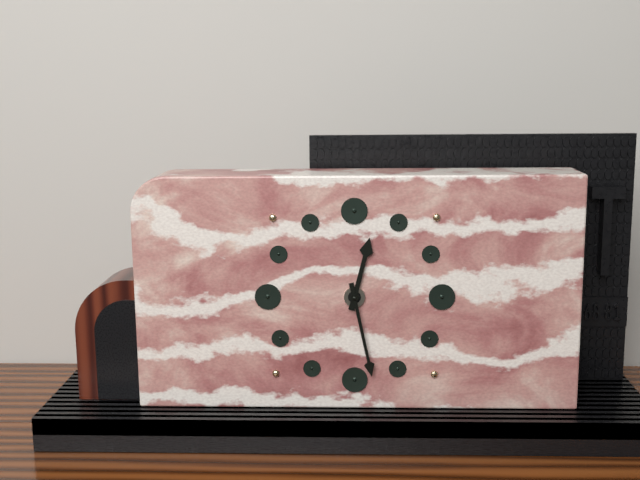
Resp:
**12:28**
